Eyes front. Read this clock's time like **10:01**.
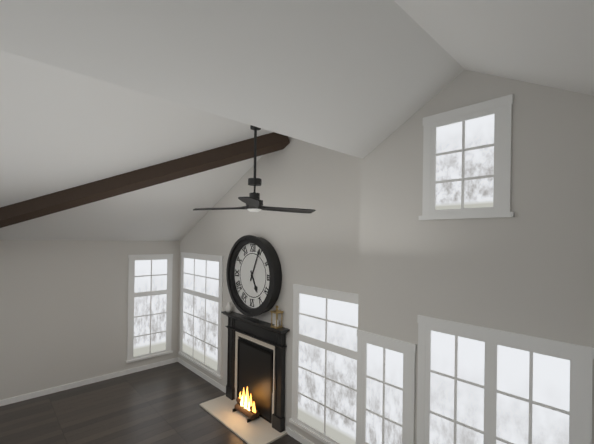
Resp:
**5:04**
